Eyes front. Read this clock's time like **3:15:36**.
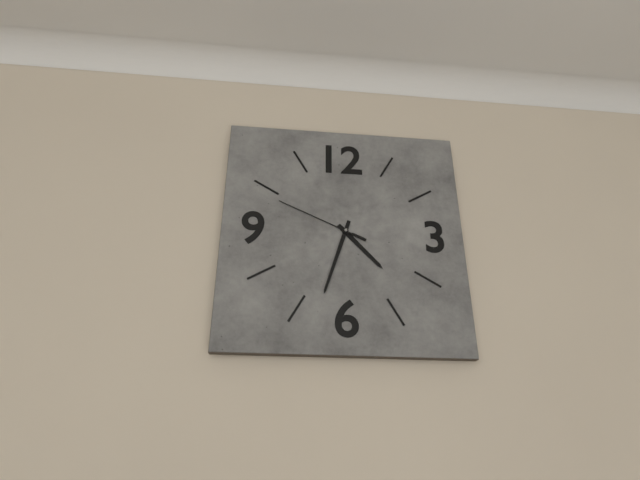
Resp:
**4:33:49**
